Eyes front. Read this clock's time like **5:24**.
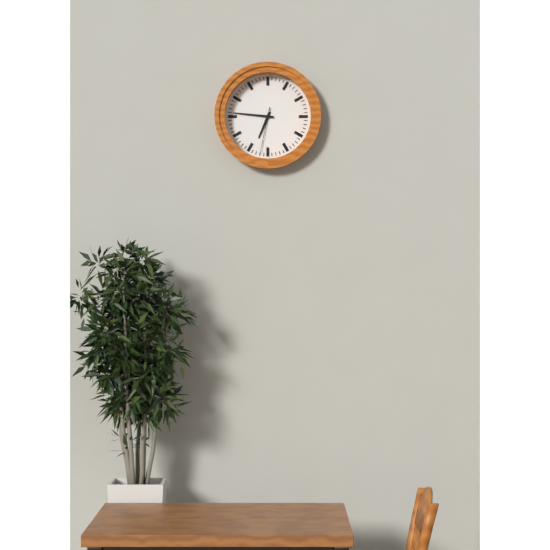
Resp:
**6:46**
